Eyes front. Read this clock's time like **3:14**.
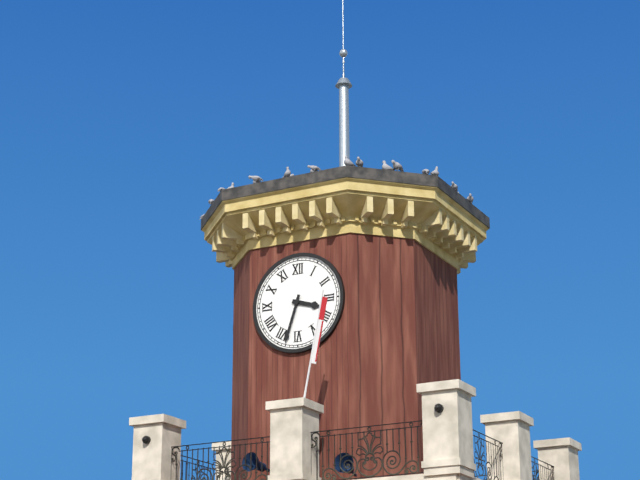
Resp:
**3:33**
